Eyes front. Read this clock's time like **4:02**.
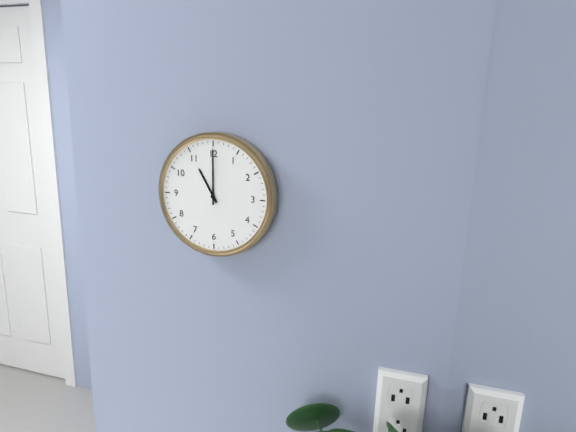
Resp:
**11:00**
